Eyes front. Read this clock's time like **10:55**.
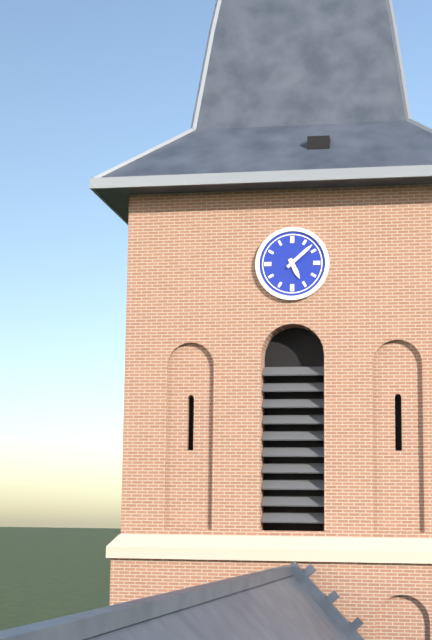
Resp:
**5:08**
